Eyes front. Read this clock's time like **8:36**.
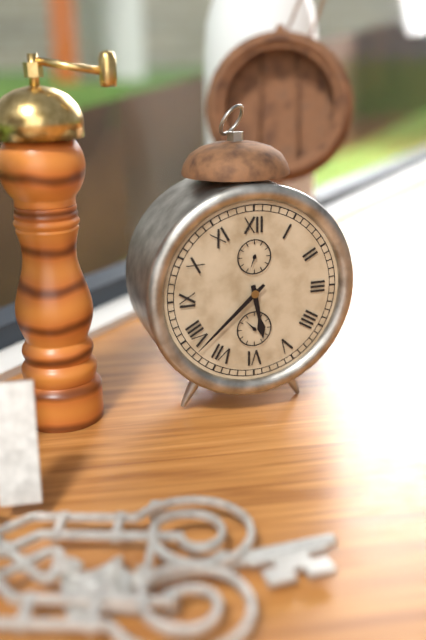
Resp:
**5:38**
